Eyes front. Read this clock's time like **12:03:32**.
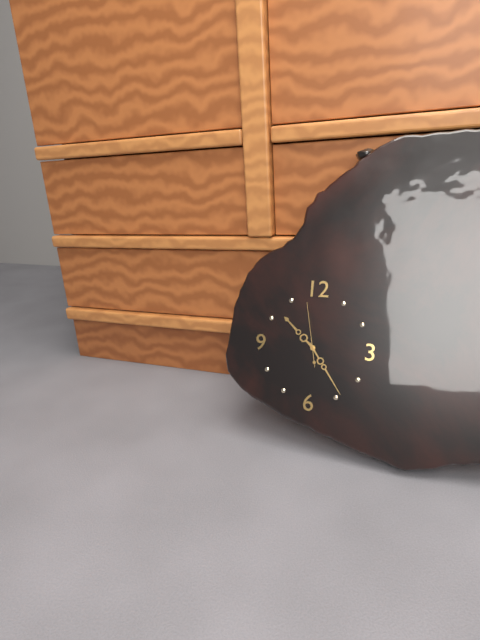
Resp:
**10:24:58**
